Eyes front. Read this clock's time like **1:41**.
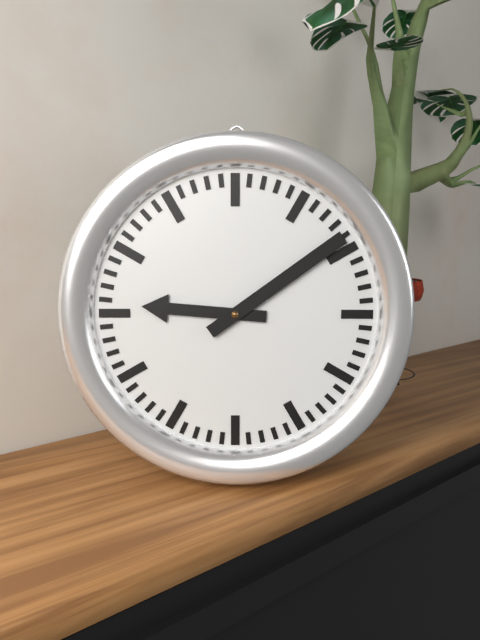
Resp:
**9:09**
